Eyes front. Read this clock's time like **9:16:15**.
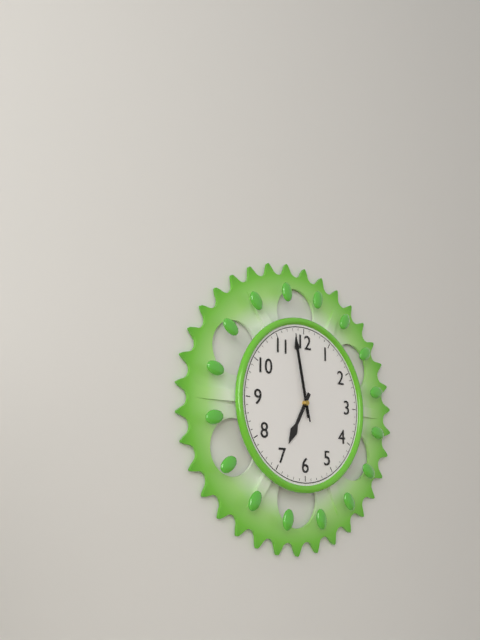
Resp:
**6:58:58**
